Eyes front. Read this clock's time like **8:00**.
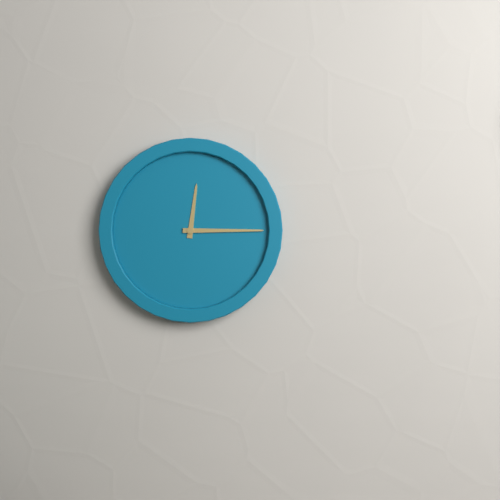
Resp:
**12:15**
